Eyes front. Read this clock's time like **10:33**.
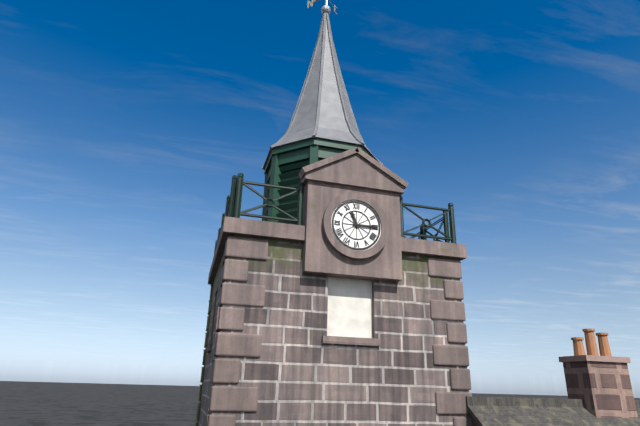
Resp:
**11:15**
